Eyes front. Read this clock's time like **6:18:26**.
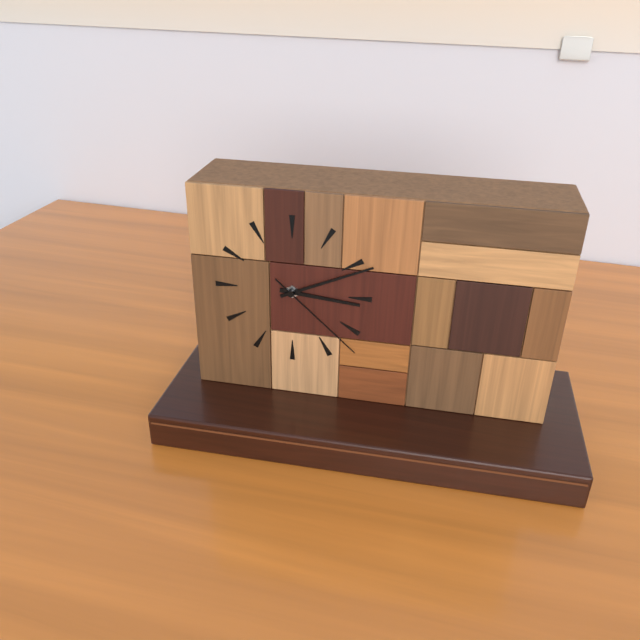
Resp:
**3:11:22**
